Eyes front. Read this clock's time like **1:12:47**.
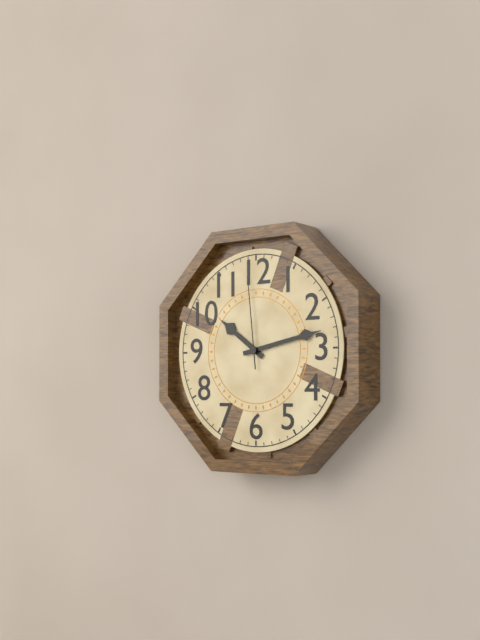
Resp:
**10:13:59**
